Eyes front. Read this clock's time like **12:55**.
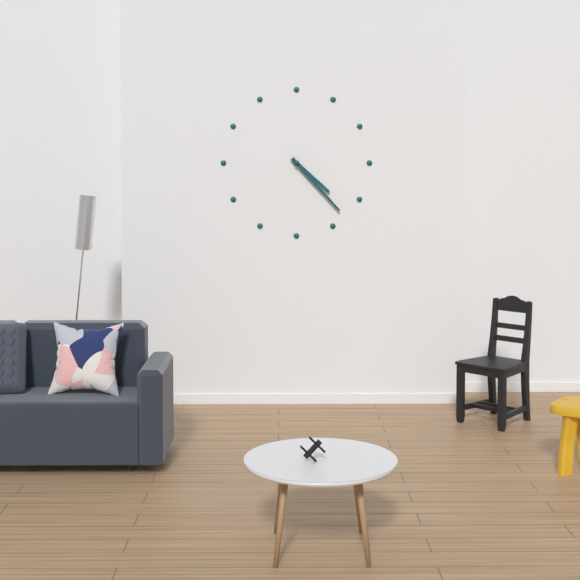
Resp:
**4:23**
